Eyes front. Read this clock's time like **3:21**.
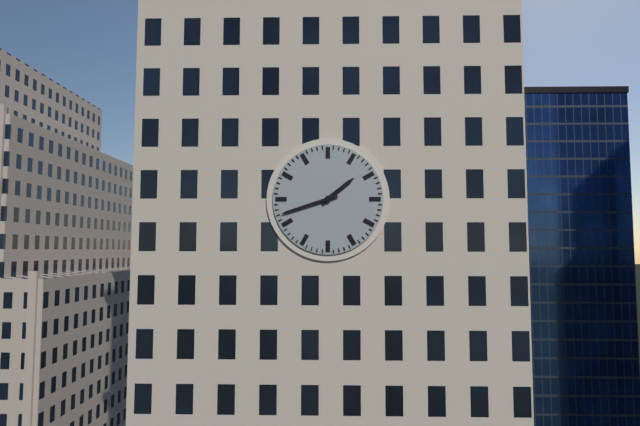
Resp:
**1:42**
